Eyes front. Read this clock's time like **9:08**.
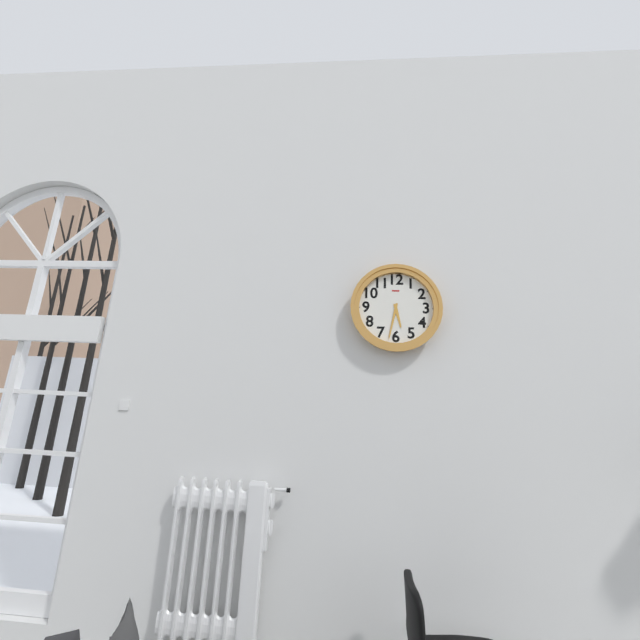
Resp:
**5:32**
